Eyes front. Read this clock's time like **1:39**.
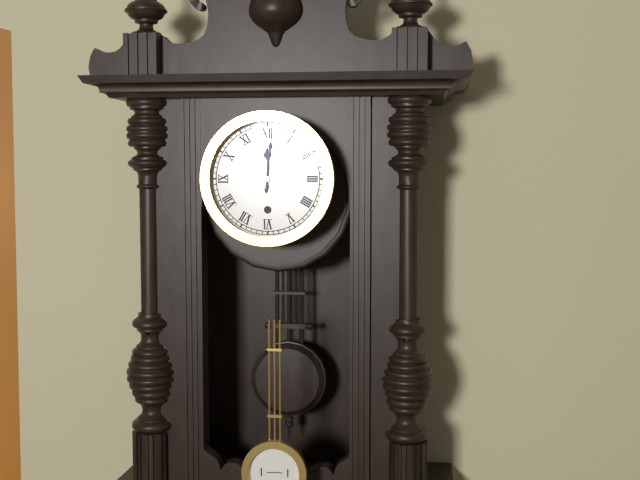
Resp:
**12:01**
